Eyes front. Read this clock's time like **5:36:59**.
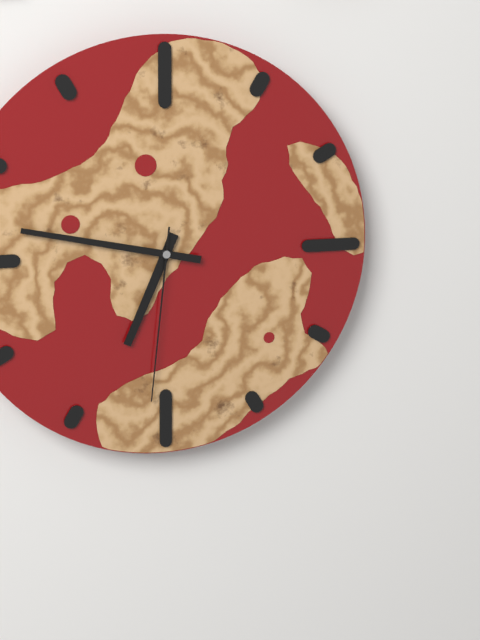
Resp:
**6:47:31**
